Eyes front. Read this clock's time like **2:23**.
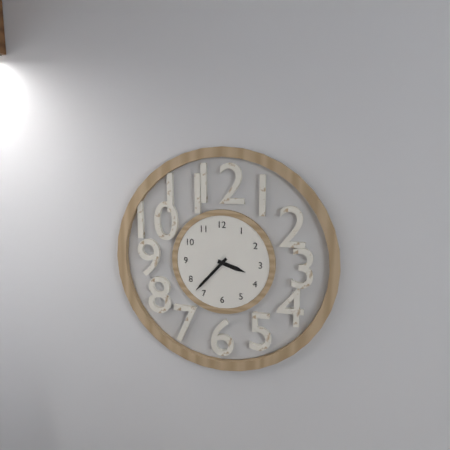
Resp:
**3:37**
